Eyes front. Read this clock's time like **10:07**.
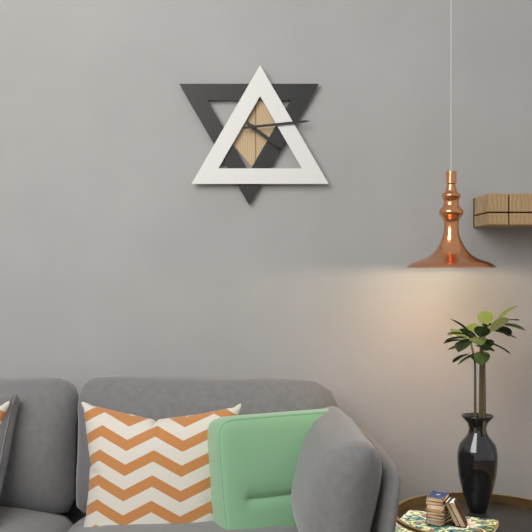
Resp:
**4:14**
